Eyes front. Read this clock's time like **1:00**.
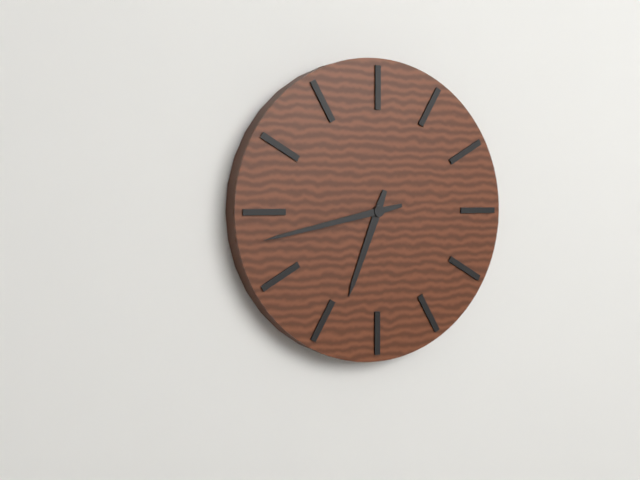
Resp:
**6:43**
